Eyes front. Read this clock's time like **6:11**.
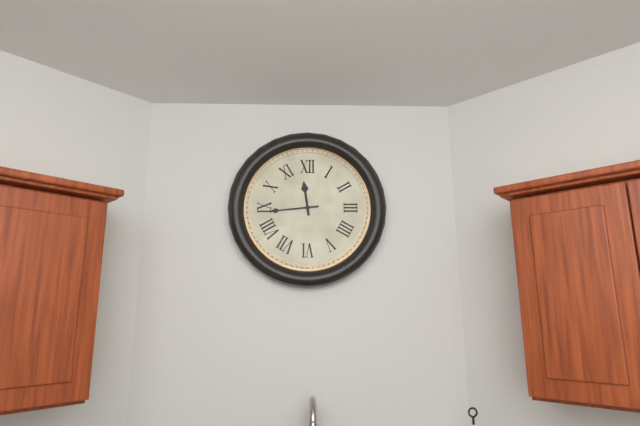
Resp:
**11:44**
